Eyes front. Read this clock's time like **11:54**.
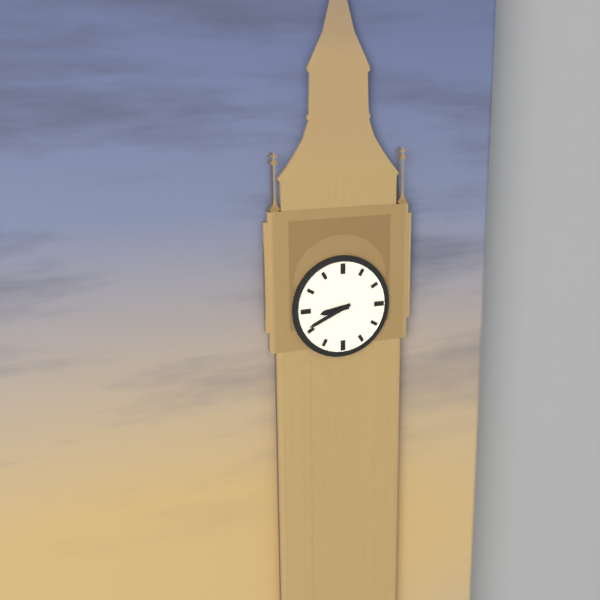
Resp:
**8:41**
